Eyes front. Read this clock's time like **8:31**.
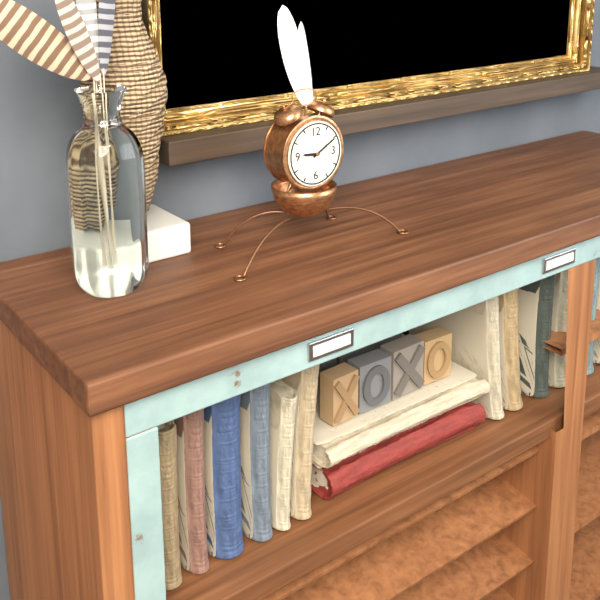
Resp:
**9:10**
